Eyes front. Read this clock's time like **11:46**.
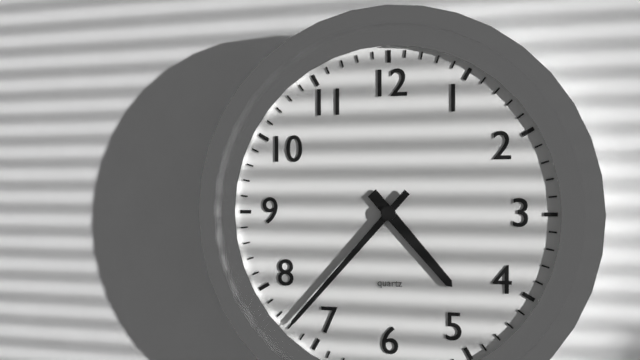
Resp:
**4:37**
